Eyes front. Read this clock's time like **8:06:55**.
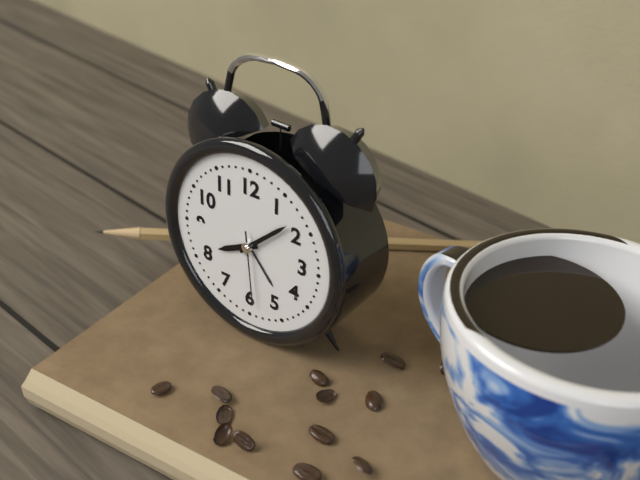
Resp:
**8:08:29**
